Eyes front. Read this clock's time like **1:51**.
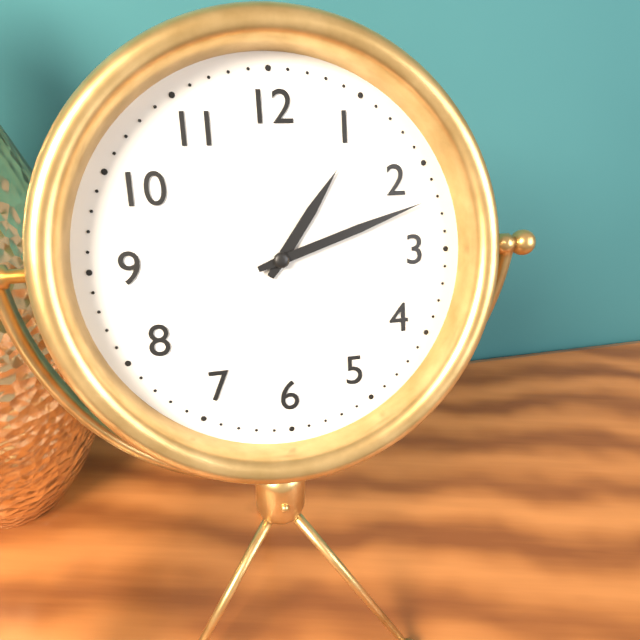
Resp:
**1:12**
